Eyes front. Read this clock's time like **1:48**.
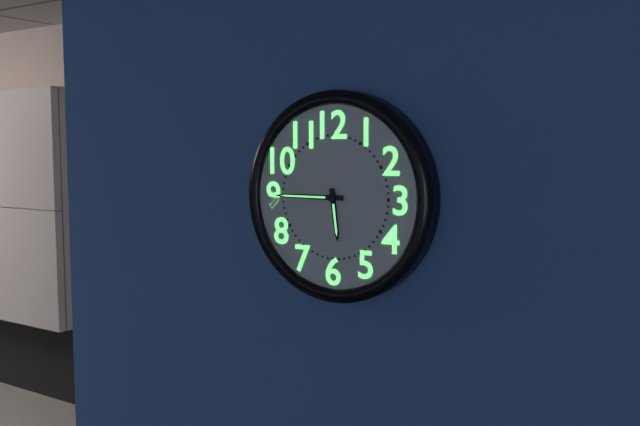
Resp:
**5:45**
